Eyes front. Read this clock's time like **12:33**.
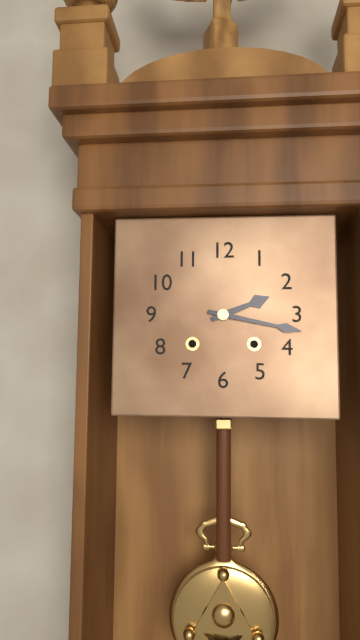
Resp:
**2:17**
